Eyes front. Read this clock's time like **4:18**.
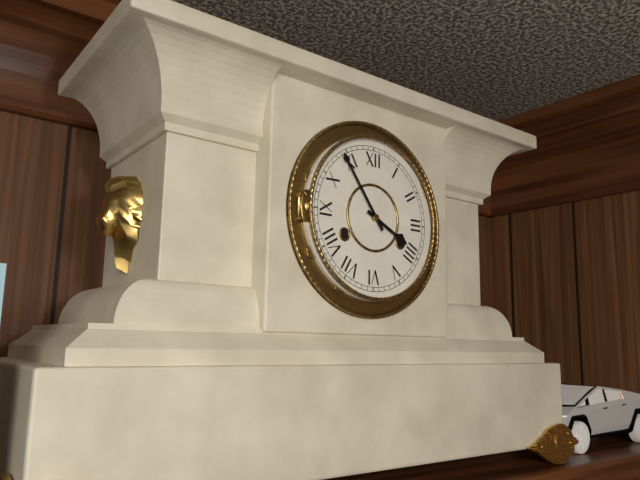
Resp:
**3:54**
